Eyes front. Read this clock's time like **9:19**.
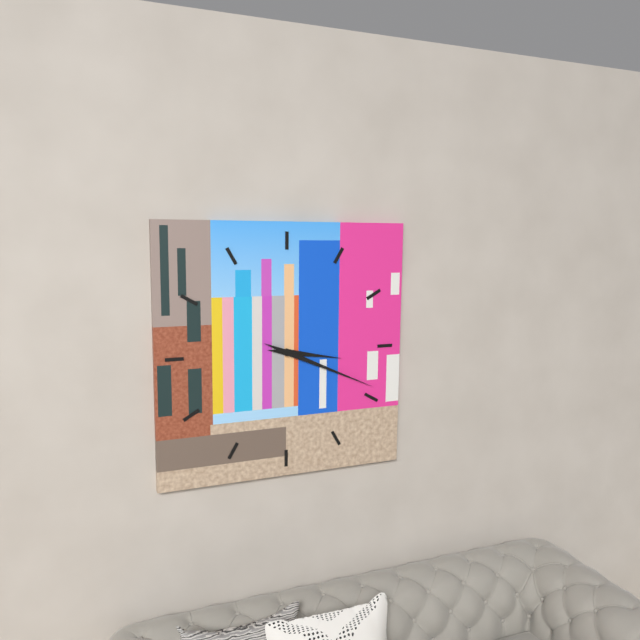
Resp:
**3:19**
